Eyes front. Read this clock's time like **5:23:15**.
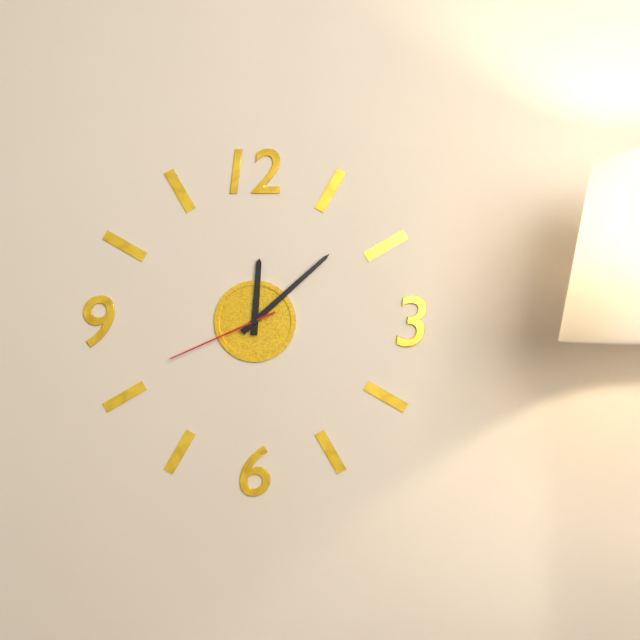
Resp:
**12:08:41**
